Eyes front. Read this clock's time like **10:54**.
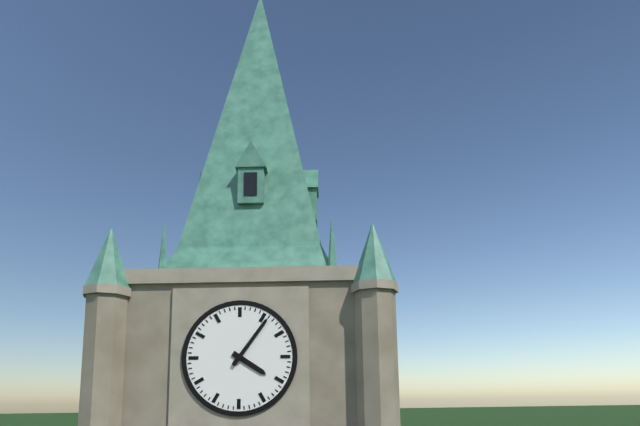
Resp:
**4:06**
